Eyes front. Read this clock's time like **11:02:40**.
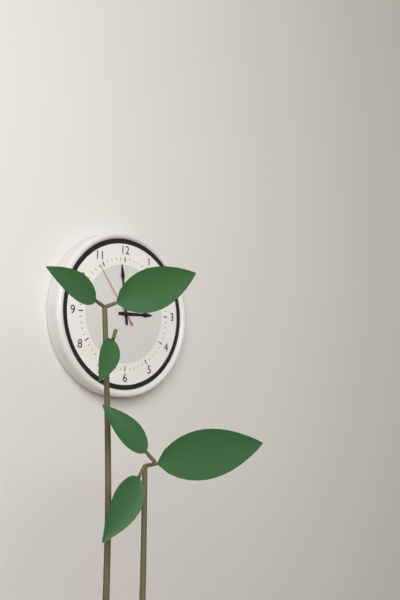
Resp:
**2:59:54**
